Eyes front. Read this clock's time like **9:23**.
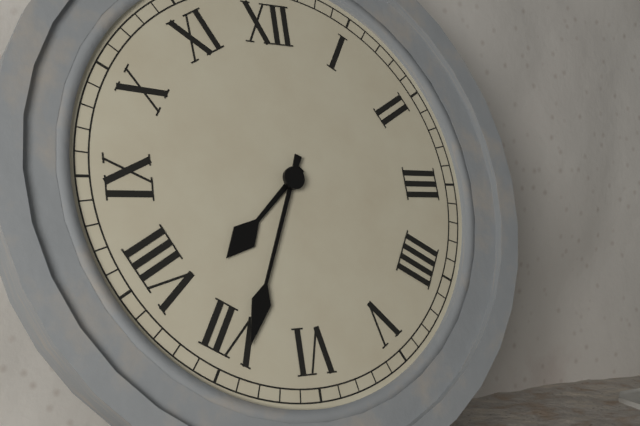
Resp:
**7:34**
